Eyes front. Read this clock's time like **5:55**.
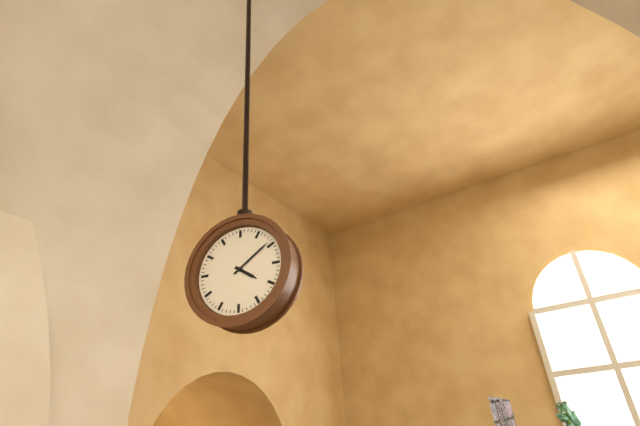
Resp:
**4:09**
